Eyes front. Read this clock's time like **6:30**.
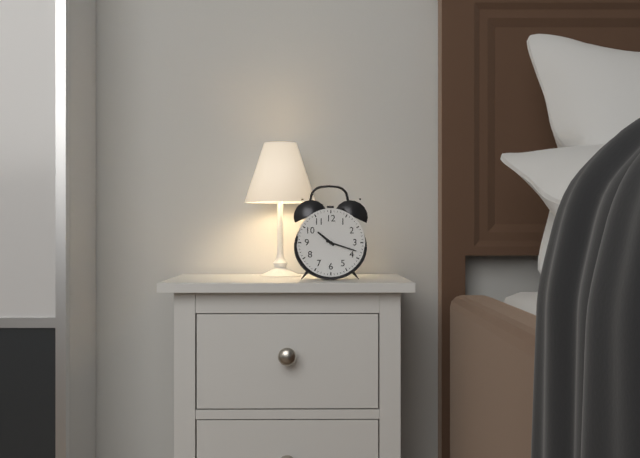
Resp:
**10:18**
